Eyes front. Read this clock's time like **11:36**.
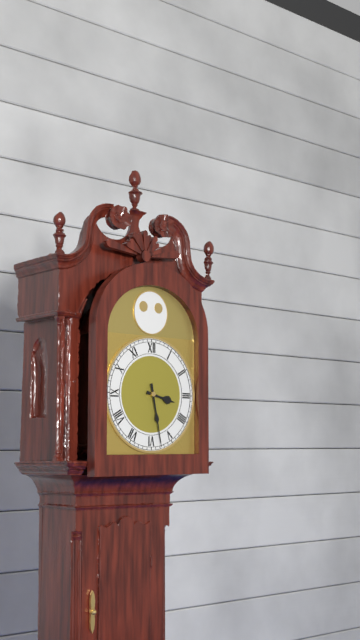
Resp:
**3:28**
